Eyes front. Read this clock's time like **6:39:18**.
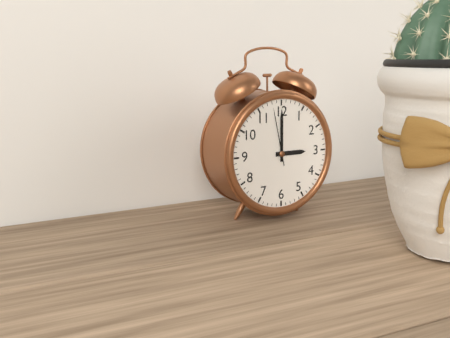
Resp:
**3:00:58**
